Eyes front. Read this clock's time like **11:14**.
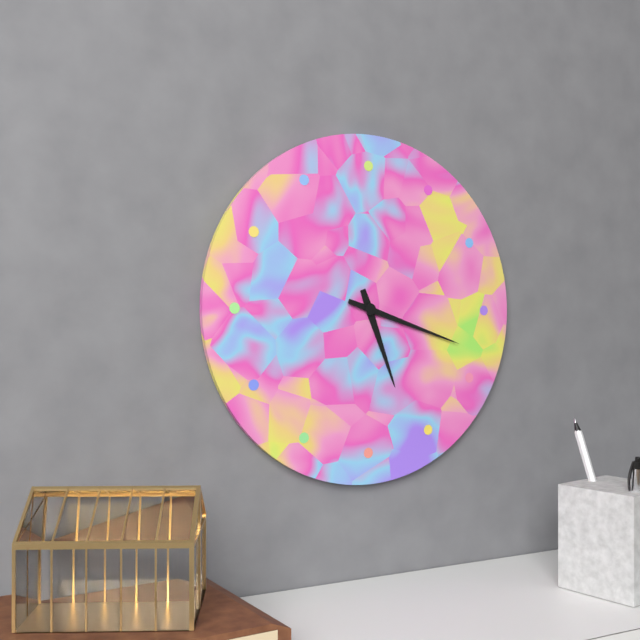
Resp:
**5:18**
